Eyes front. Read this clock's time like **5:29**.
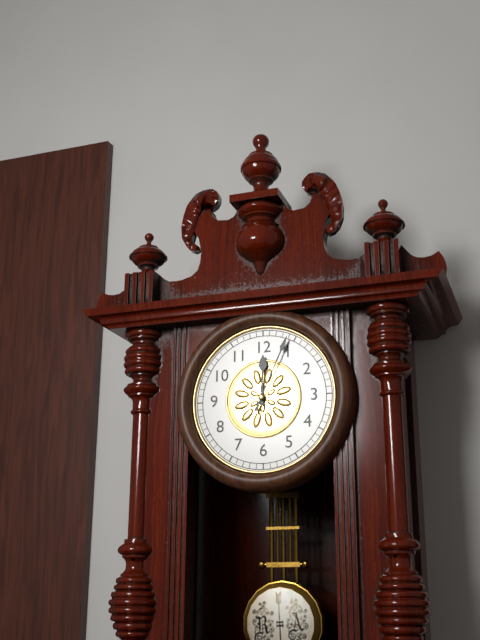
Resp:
**12:04**
